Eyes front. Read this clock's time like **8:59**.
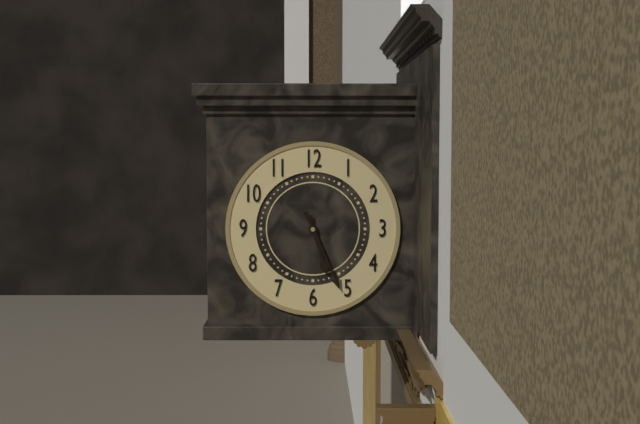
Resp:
**5:26**
